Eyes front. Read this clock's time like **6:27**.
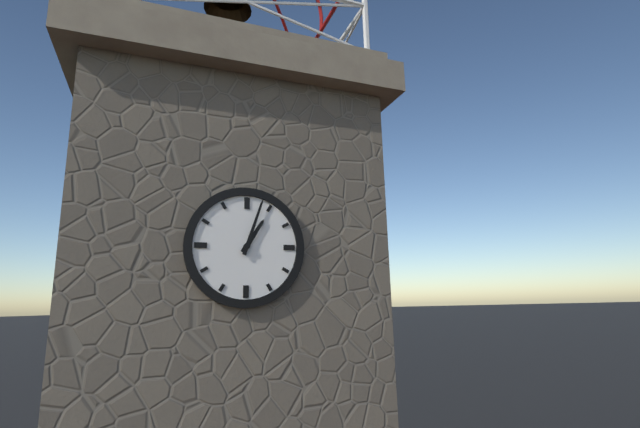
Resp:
**1:03**
